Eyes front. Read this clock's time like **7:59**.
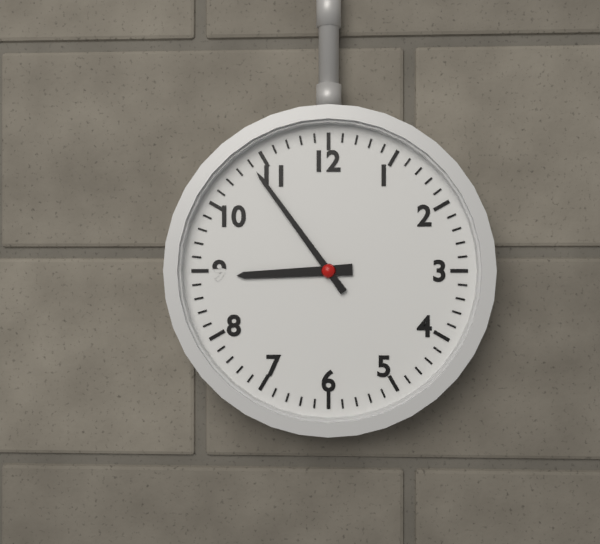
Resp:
**8:54**
